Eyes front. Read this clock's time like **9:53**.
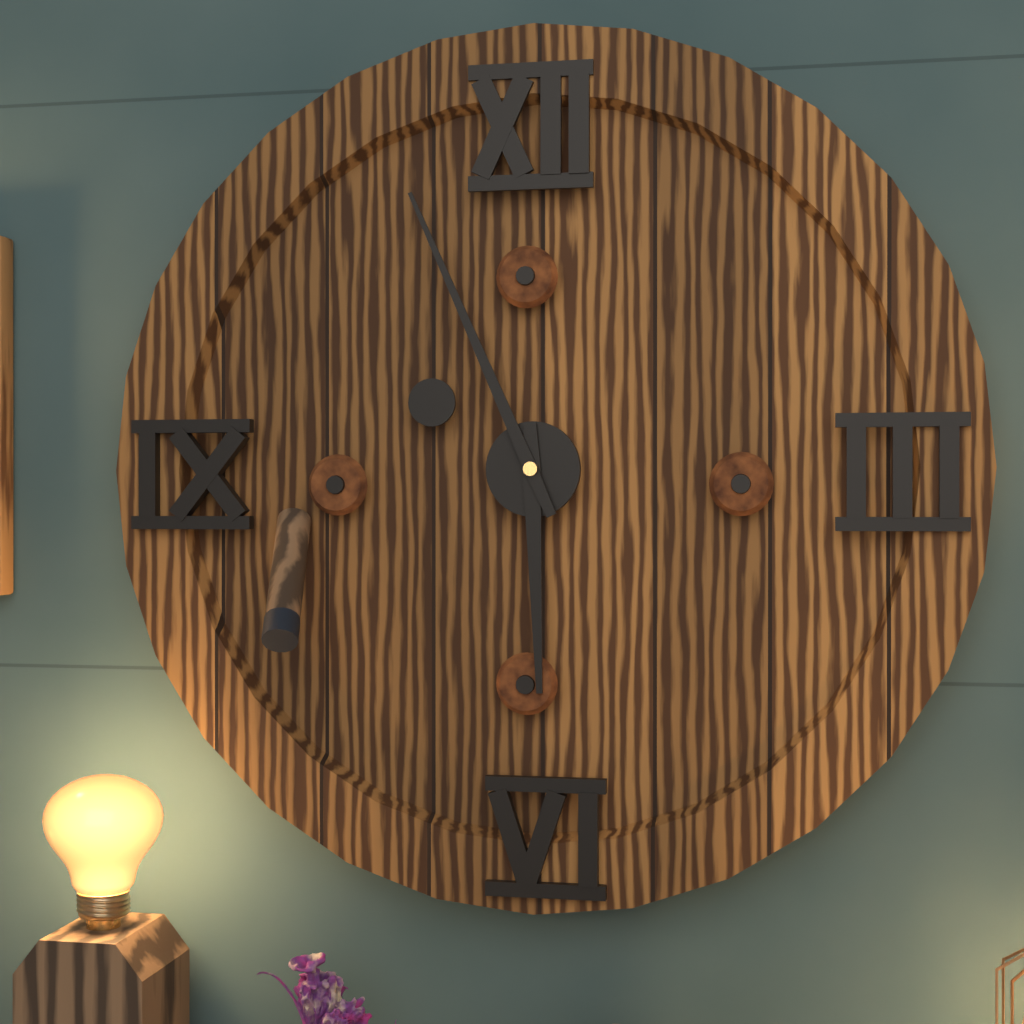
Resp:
**5:56**
